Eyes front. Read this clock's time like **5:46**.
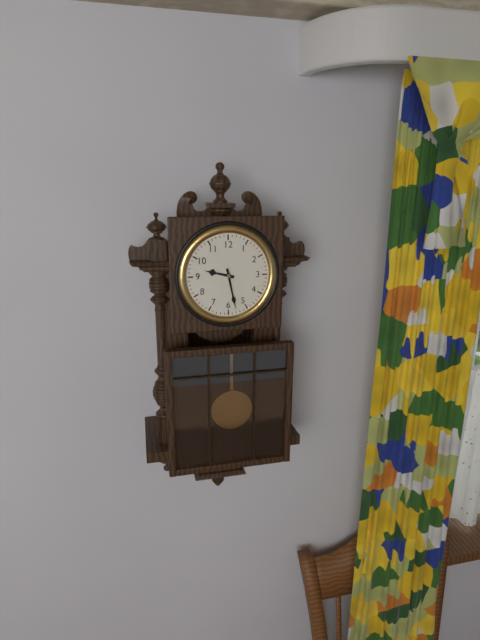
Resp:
**9:28**
